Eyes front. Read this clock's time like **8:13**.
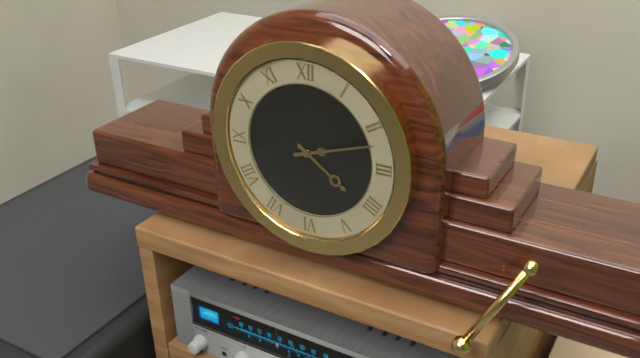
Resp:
**4:12**
